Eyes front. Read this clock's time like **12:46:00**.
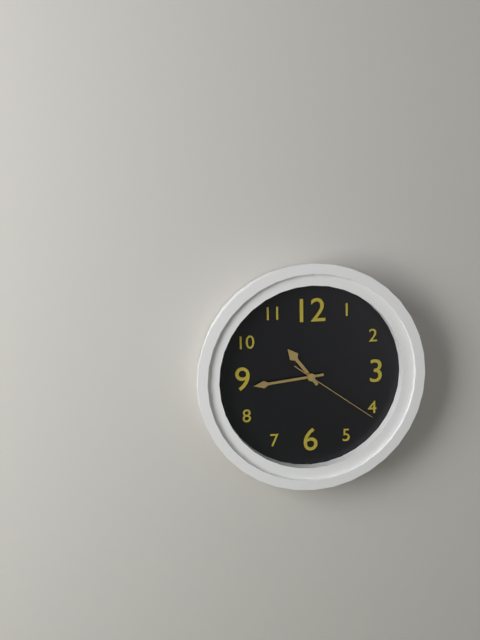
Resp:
**10:44:21**
